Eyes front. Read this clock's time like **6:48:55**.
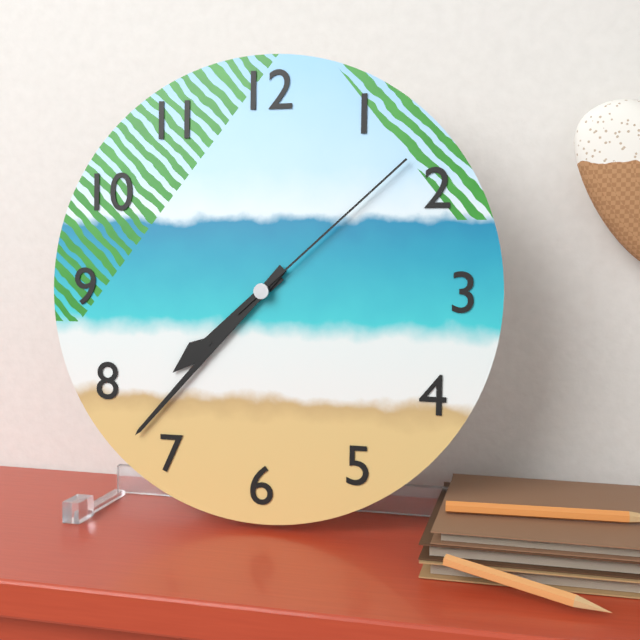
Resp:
**7:37:08**
